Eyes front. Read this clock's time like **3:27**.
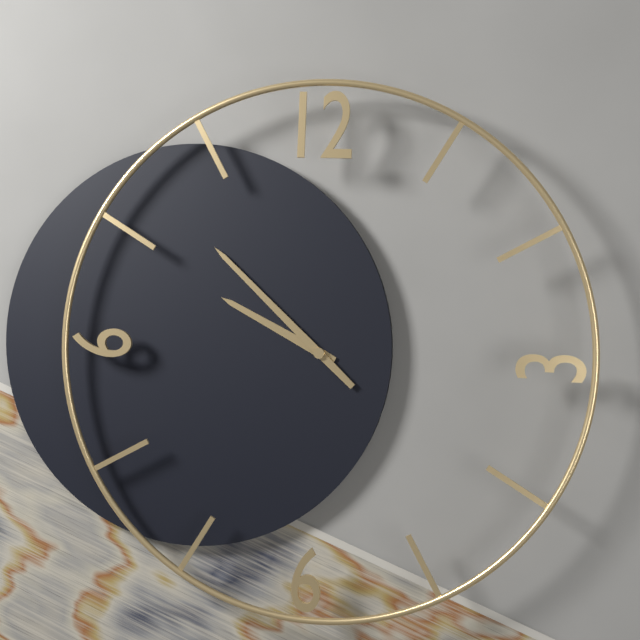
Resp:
**9:52**
